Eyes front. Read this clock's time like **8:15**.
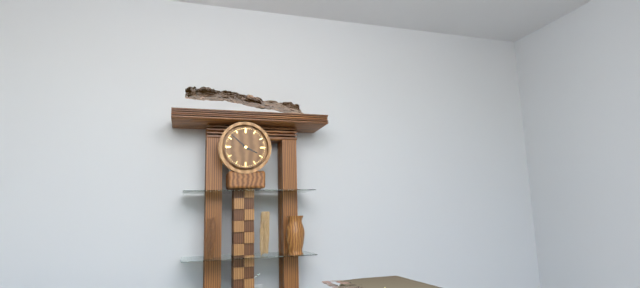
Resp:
**3:52**
